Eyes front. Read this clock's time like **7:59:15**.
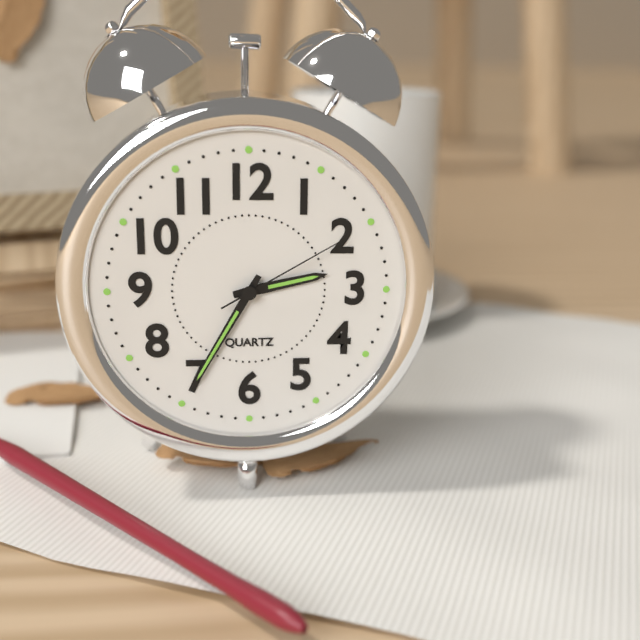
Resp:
**2:35:10**
